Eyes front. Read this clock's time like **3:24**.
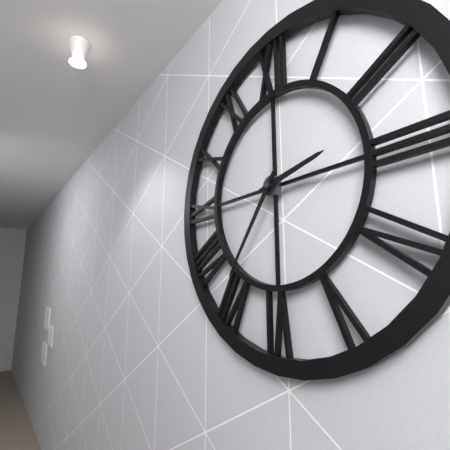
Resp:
**2:36**
